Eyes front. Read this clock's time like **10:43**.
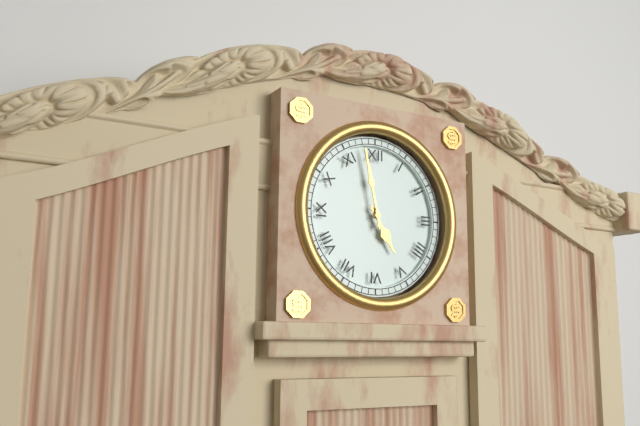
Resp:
**4:58**
